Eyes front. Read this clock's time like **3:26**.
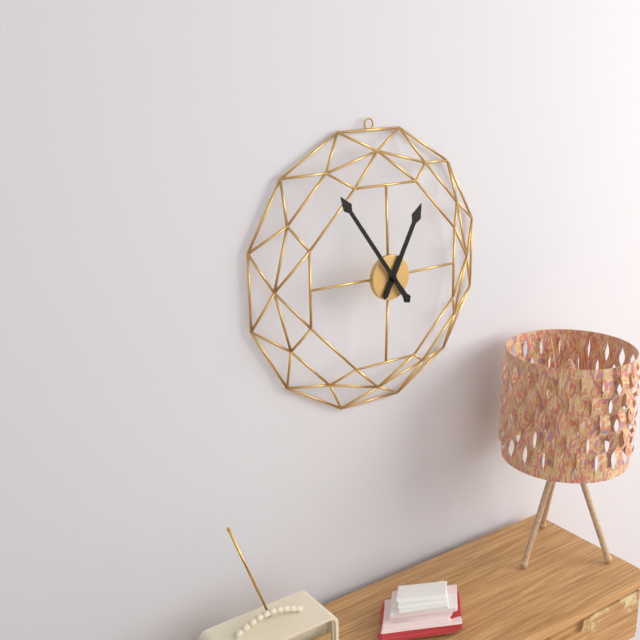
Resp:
**12:54**
